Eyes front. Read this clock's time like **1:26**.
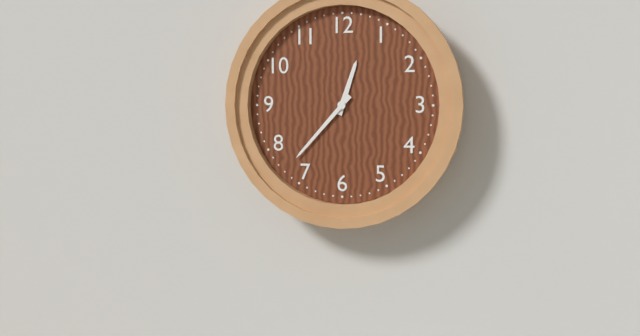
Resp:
**12:37**
